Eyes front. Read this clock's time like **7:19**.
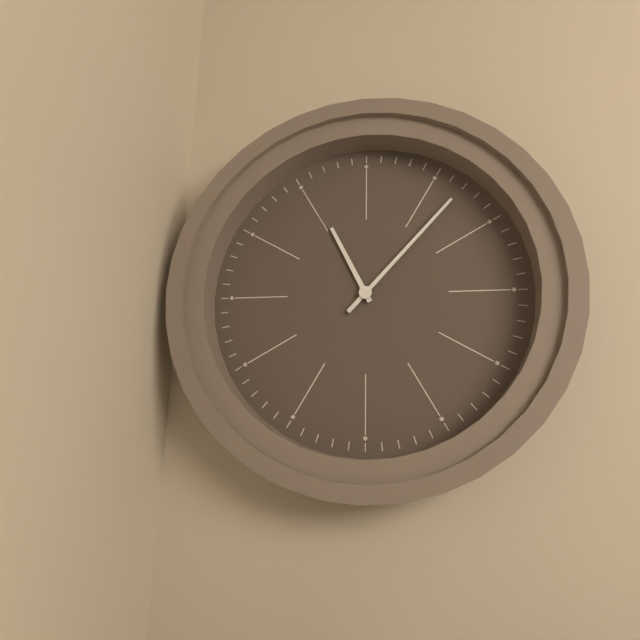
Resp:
**11:07**
